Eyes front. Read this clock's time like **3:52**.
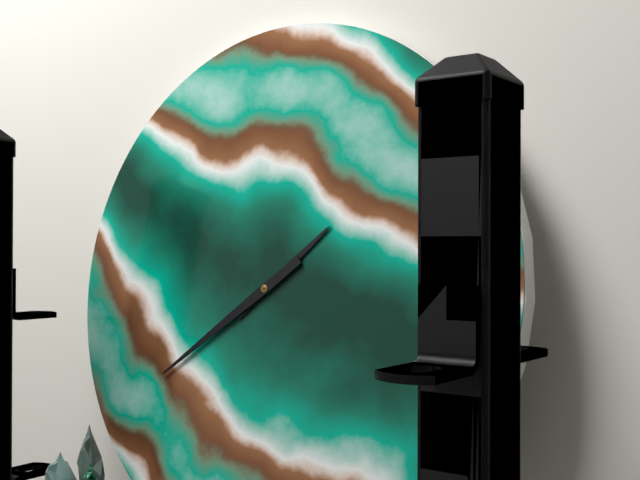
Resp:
**1:39**
